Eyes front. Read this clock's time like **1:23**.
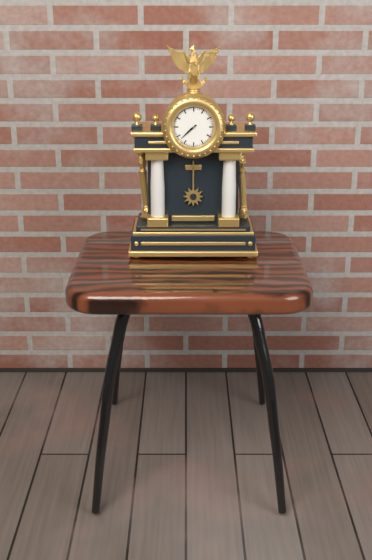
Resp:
**7:38**
